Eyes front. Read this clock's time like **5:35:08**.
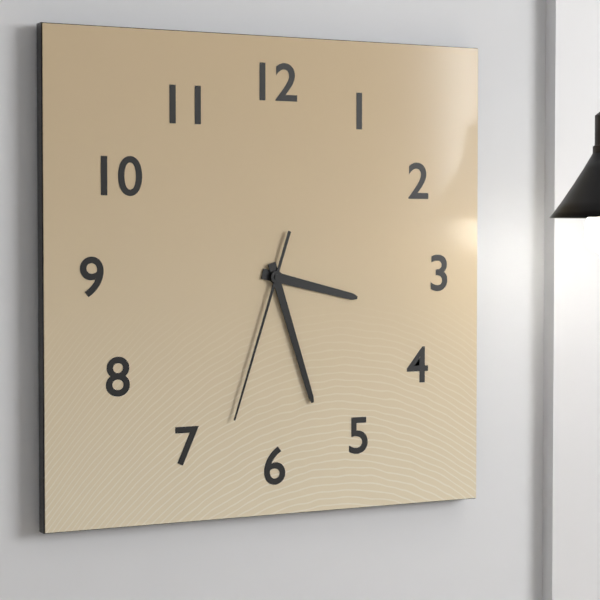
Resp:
**3:27:33**
